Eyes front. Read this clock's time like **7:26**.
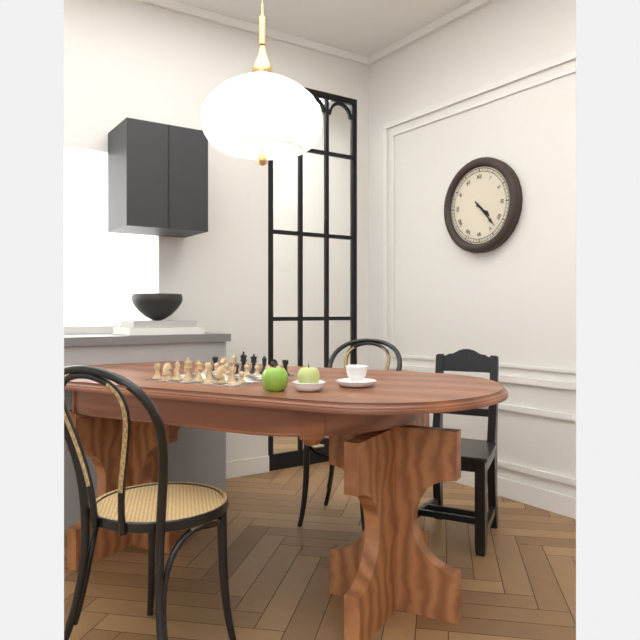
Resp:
**4:23**
